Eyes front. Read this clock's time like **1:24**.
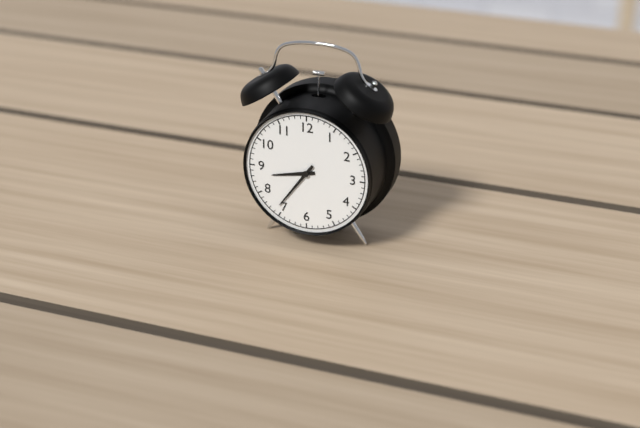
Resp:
**8:36**
